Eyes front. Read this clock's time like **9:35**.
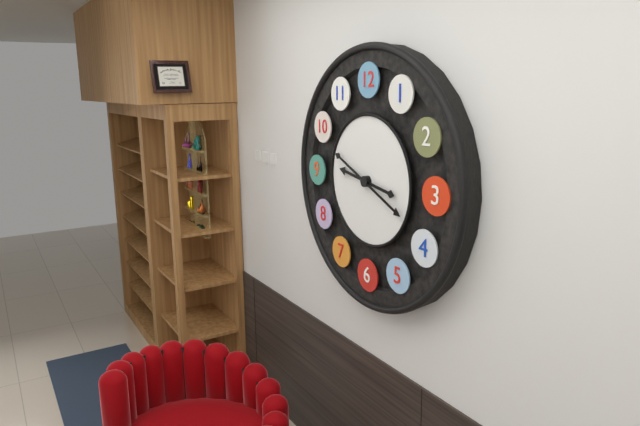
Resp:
**9:19**
